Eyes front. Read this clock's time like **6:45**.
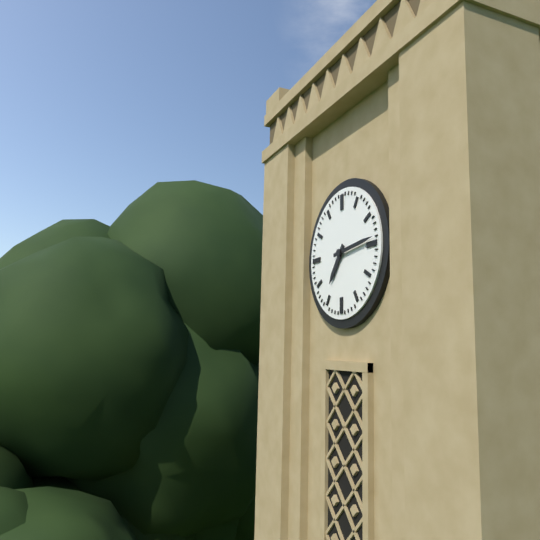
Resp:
**7:14**
